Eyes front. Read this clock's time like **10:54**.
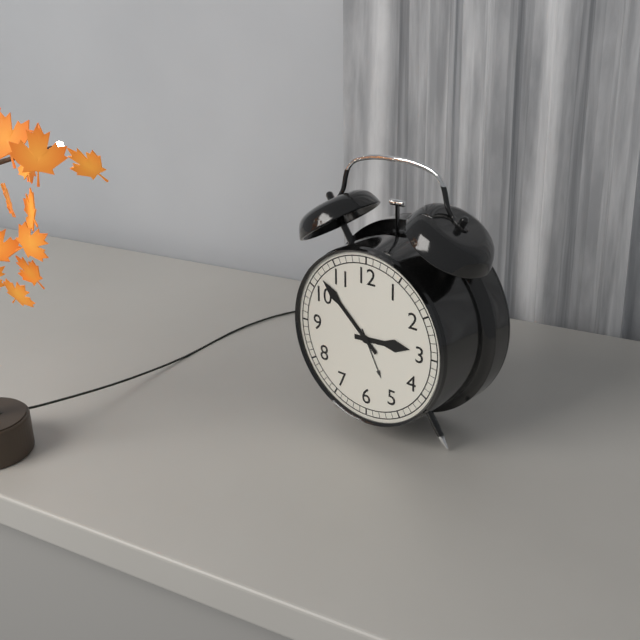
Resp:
**2:52**
